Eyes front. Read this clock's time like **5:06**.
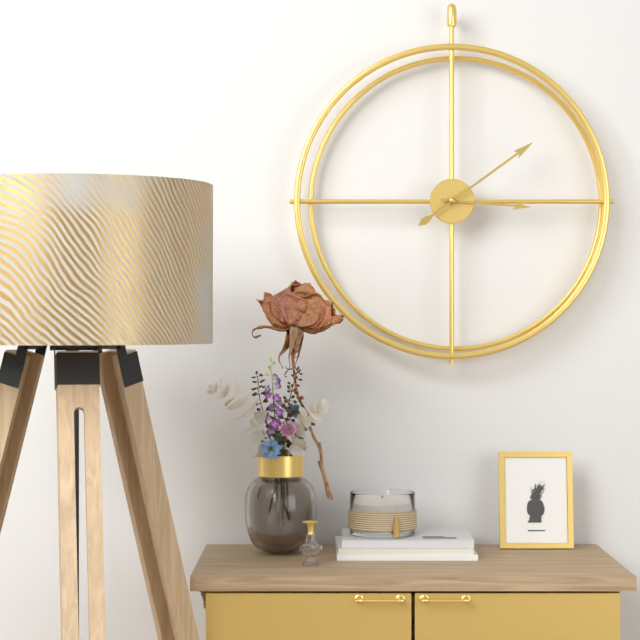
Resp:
**3:09**
